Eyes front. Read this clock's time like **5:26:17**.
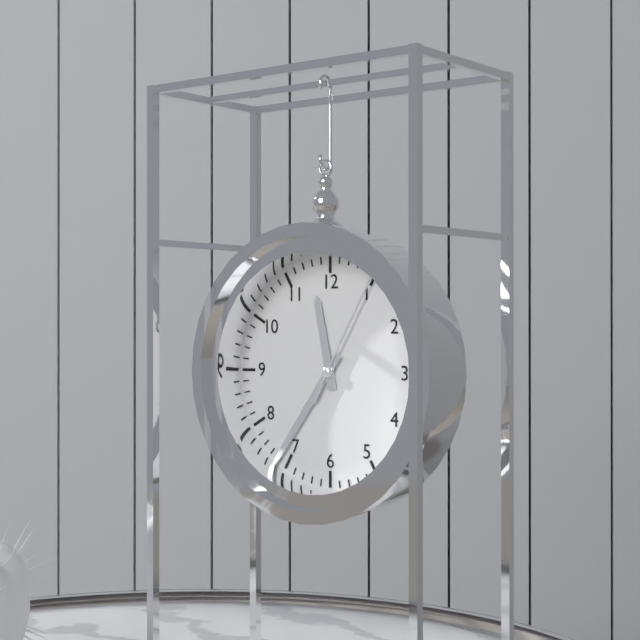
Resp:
**11:36:05**
